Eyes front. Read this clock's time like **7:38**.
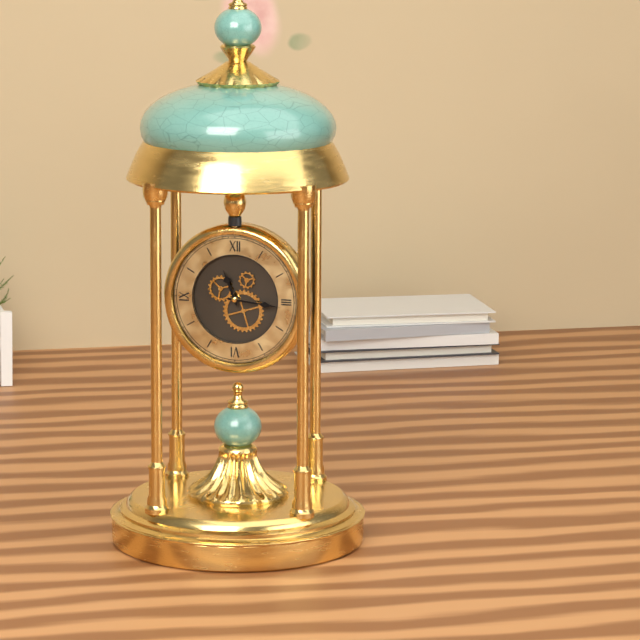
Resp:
**11:16**
